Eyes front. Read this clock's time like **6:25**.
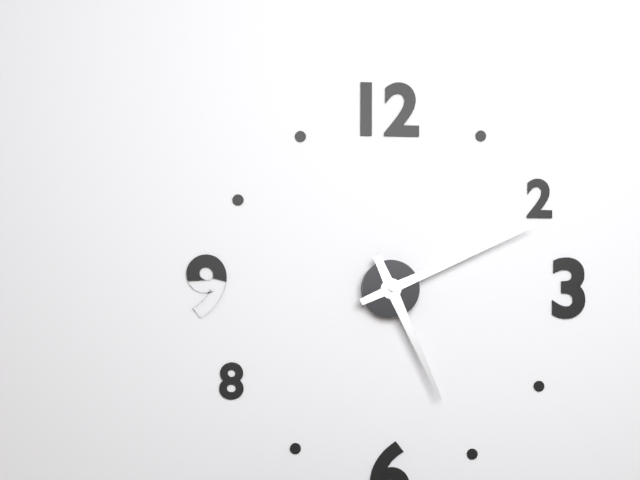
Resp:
**5:11**
